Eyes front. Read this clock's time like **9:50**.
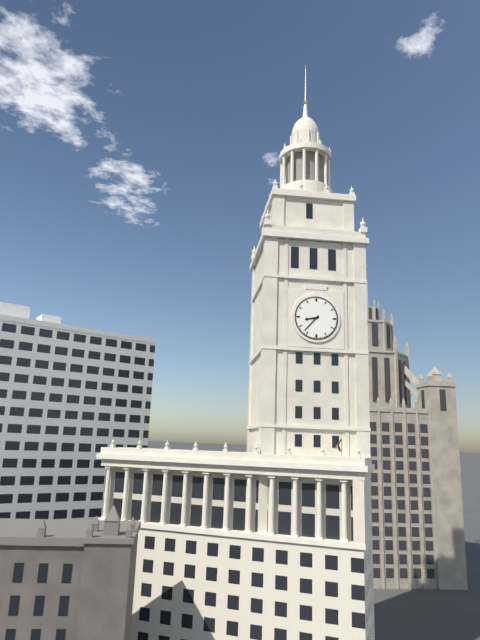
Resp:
**8:37**
